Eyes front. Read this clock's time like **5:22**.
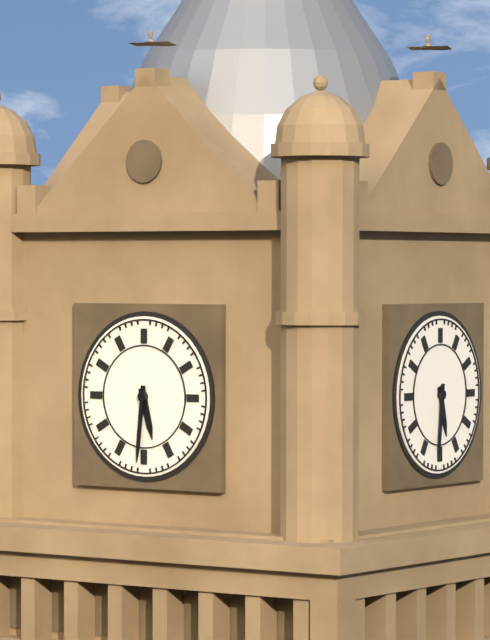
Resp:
**5:31**
